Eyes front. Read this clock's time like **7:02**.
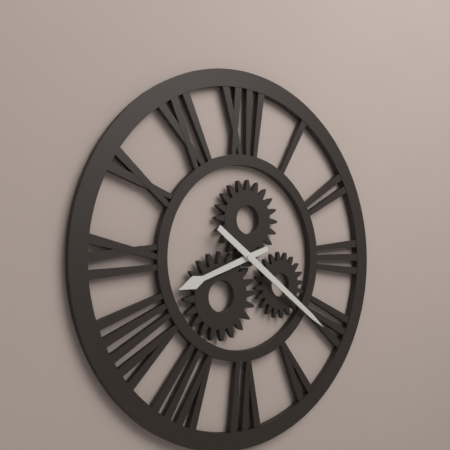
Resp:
**8:21**
